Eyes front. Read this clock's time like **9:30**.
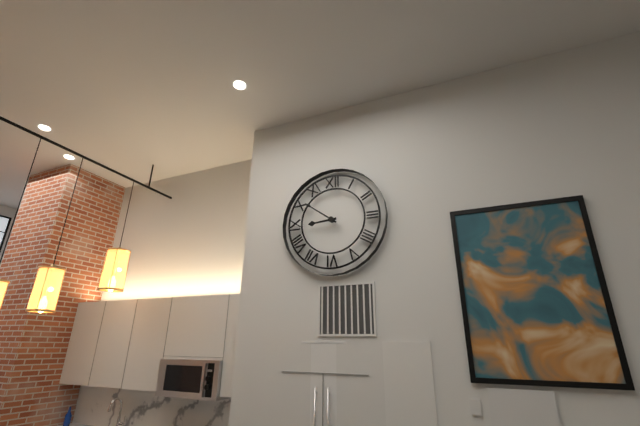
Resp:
**8:51**
